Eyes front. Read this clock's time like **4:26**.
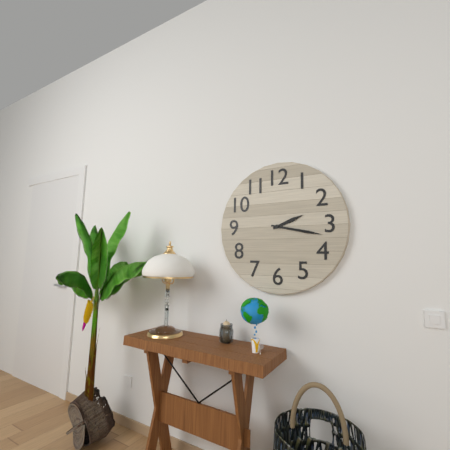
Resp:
**2:17**
